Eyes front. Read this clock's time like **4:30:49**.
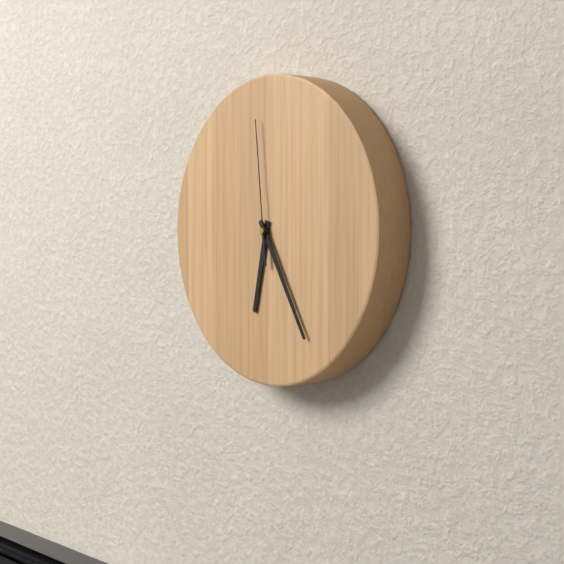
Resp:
**6:25:59**
